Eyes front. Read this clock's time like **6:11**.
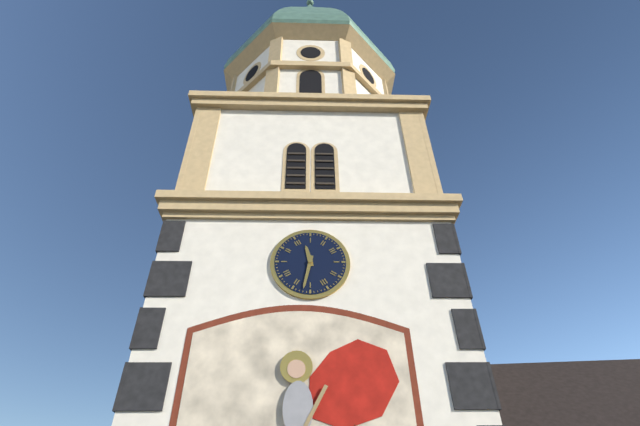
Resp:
**11:32**
